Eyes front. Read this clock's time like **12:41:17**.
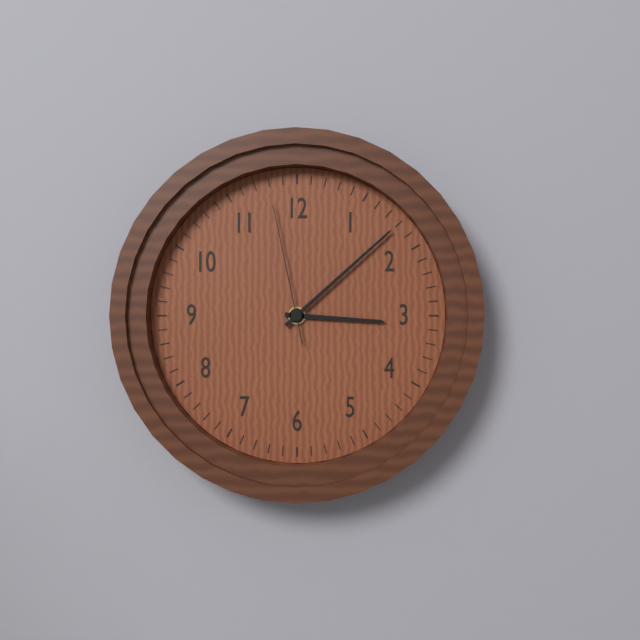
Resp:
**3:08:58**
